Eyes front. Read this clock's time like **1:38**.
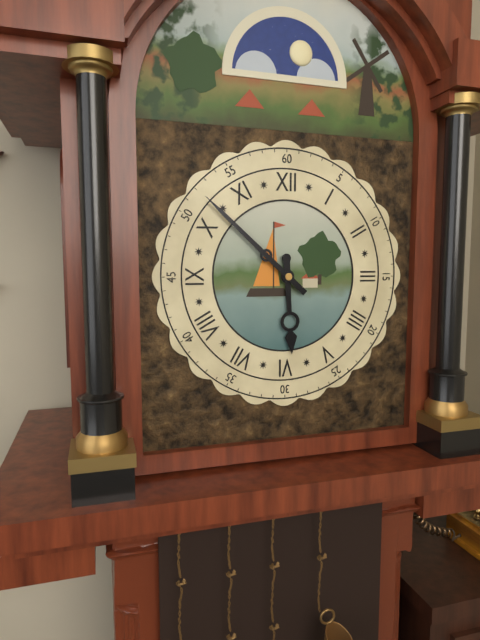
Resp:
**5:52**
